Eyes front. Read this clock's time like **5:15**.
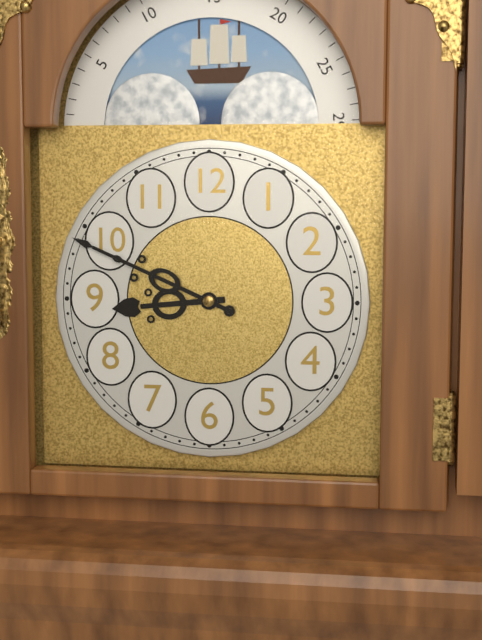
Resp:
**8:49**
